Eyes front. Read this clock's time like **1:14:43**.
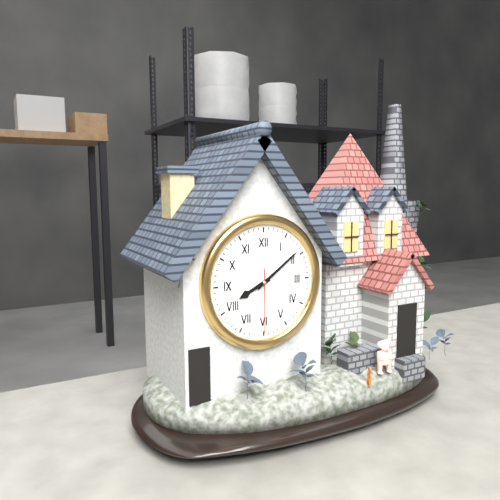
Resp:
**8:09:30**
